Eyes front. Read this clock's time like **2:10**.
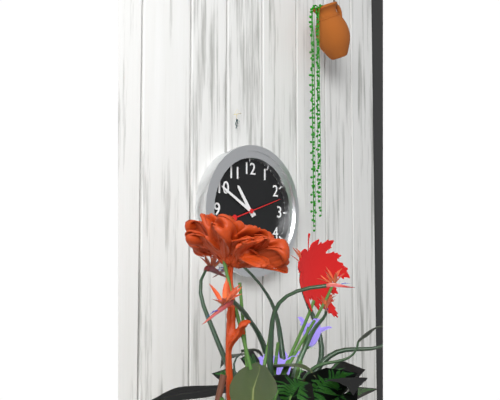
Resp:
**10:50**
